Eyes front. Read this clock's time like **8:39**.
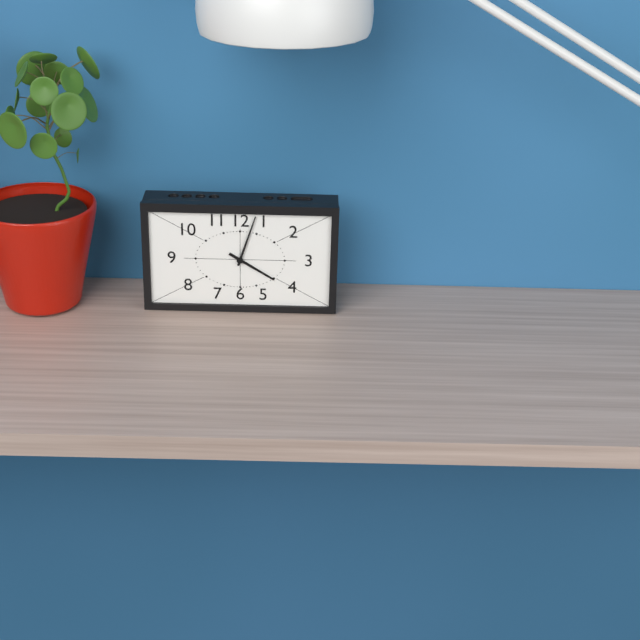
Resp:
**4:03**
